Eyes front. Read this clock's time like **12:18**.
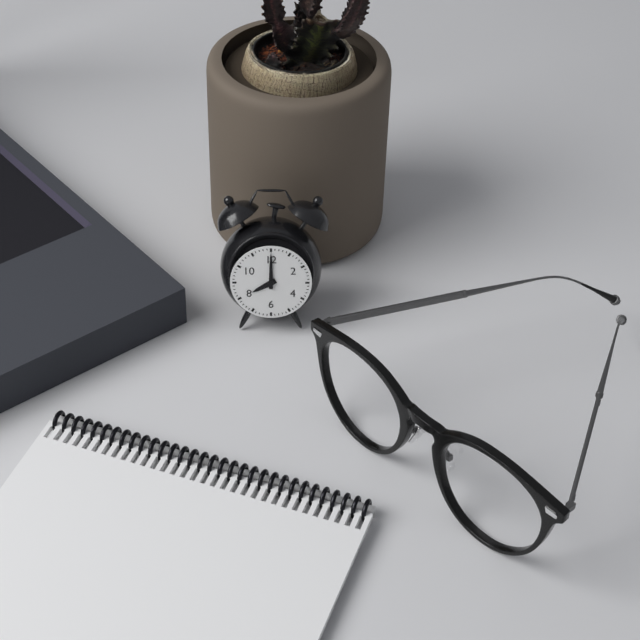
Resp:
**8:00**
